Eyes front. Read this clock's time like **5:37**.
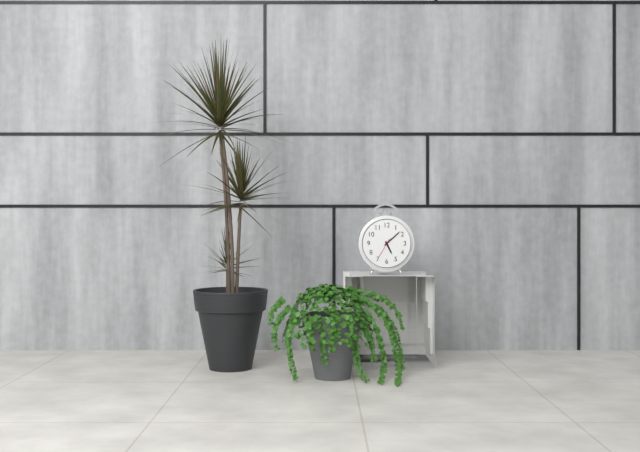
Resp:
**5:08**
